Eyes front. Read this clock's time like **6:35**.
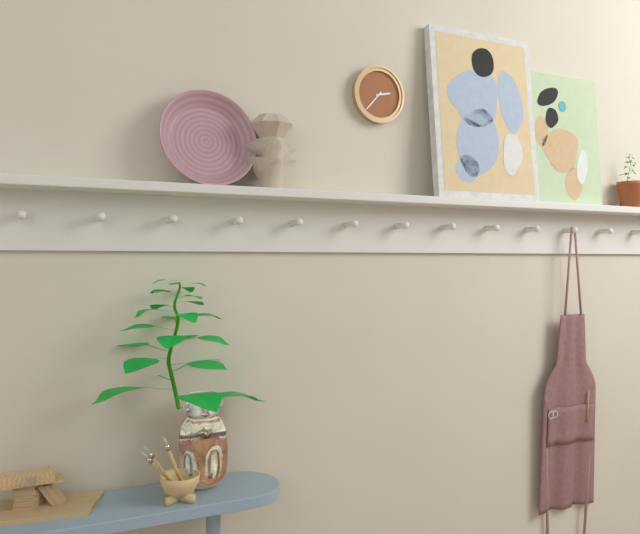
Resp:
**2:37**
